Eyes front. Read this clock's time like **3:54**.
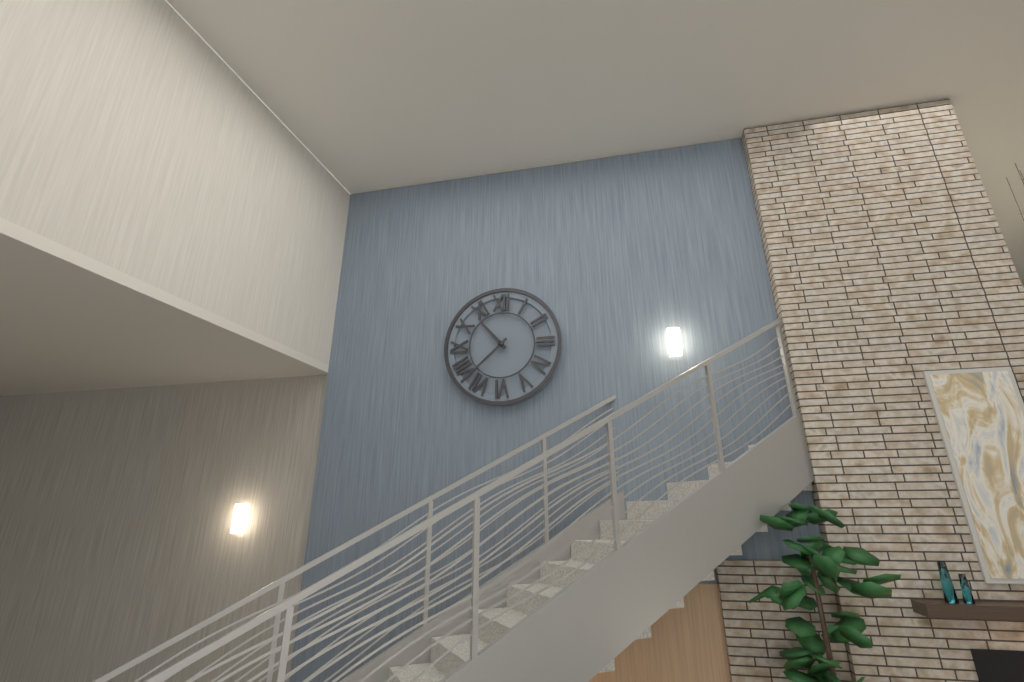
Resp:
**10:38**
